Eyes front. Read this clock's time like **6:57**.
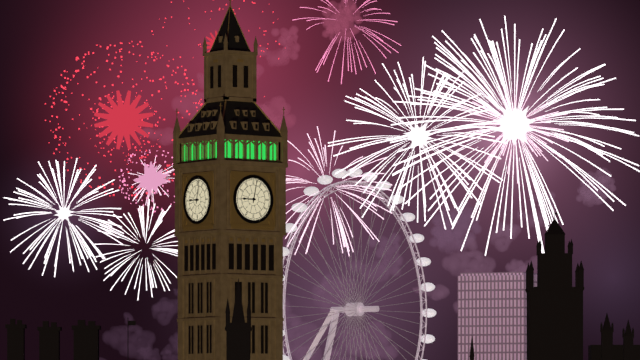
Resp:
**9:02**
